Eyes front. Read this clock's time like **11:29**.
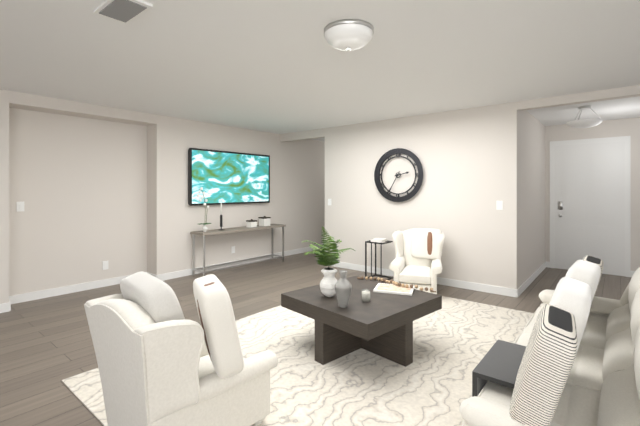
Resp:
**2:35**
